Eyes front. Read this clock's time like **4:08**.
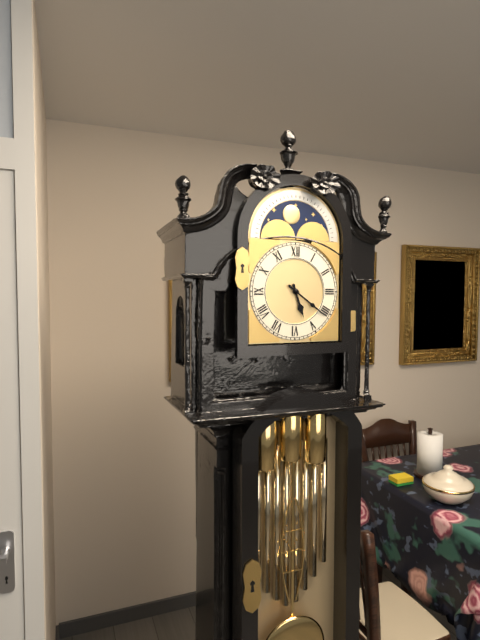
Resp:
**5:21**
